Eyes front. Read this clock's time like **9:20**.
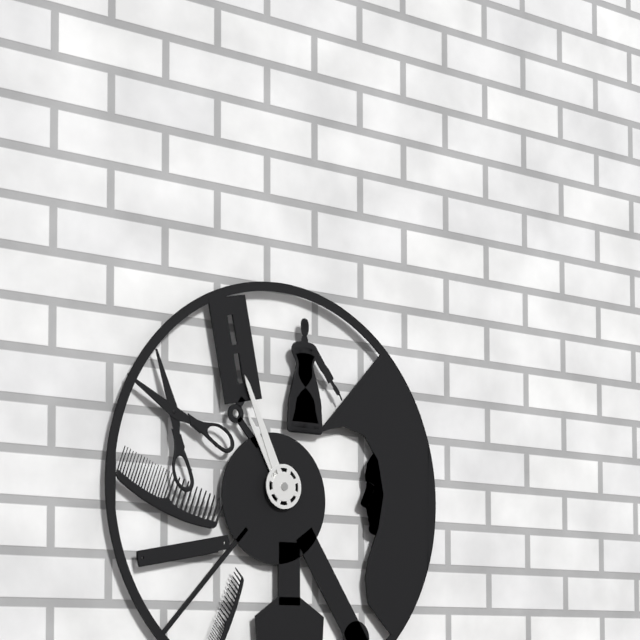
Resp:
**10:56**
